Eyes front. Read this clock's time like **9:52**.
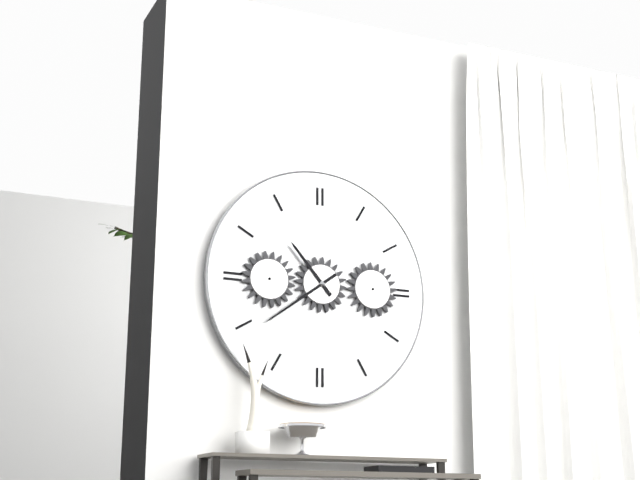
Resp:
**10:39**
